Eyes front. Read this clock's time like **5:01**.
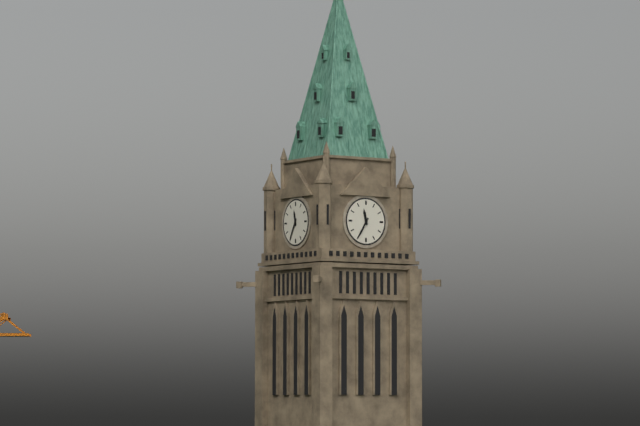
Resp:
**11:35**
